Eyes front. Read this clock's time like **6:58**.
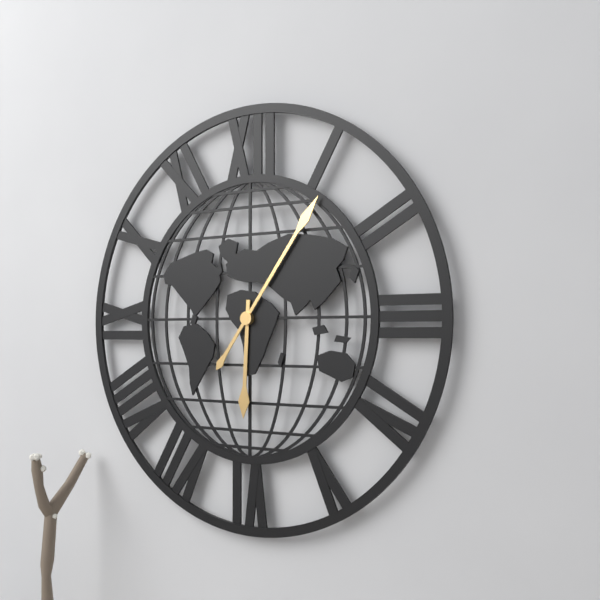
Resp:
**6:06**
